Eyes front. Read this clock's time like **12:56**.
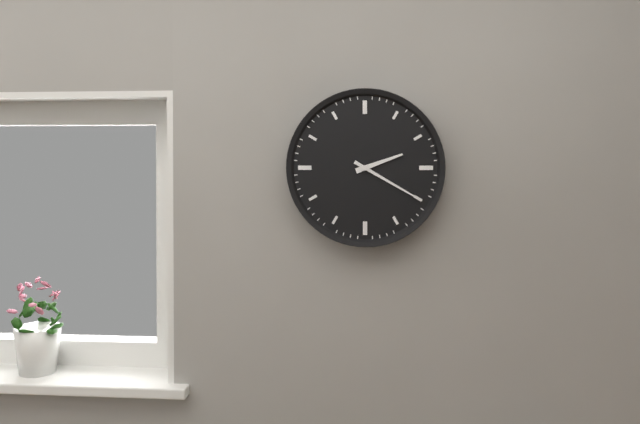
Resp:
**2:20**
